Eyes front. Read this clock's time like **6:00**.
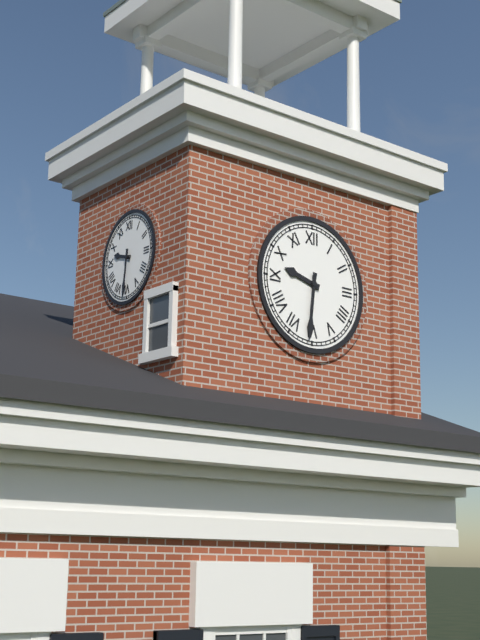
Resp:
**9:31**
